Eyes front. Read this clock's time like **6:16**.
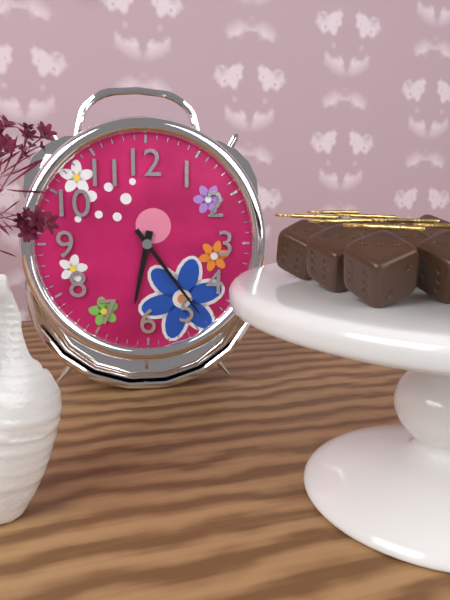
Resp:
**6:24**
